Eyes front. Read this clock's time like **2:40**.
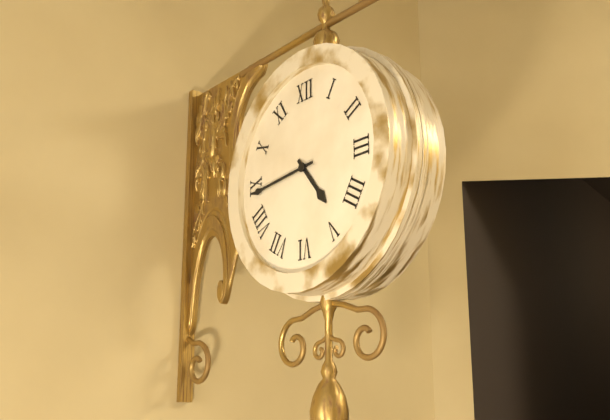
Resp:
**4:44**
